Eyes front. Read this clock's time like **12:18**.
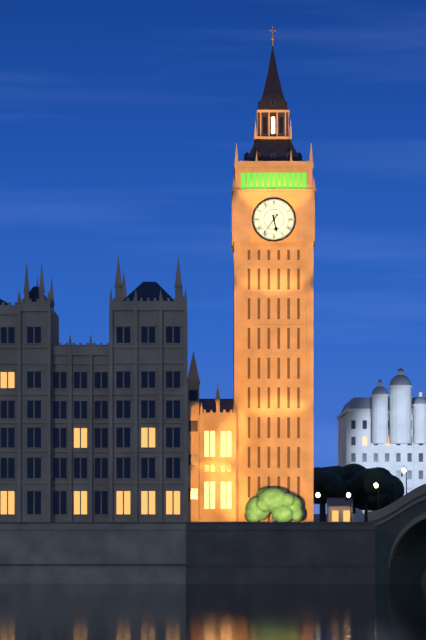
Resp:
**5:36**
